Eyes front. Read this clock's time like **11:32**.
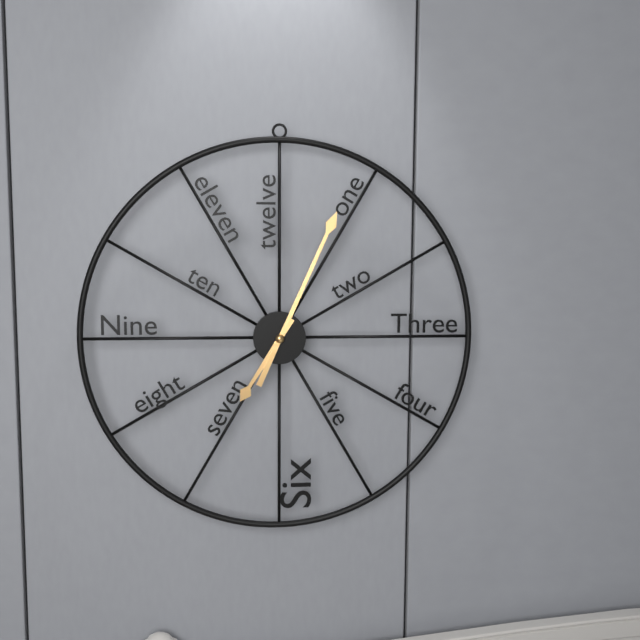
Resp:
**7:04**
